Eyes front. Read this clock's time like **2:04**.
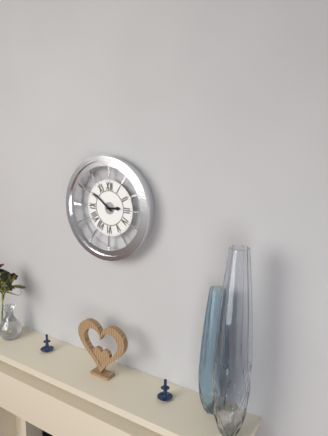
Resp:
**2:51**
